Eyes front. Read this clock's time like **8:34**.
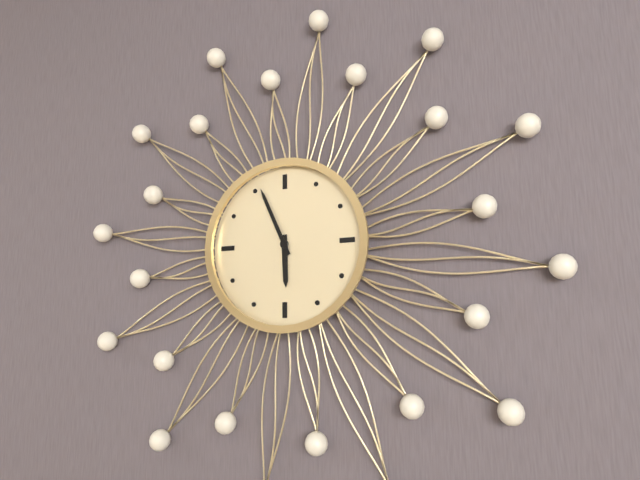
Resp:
**5:56**
